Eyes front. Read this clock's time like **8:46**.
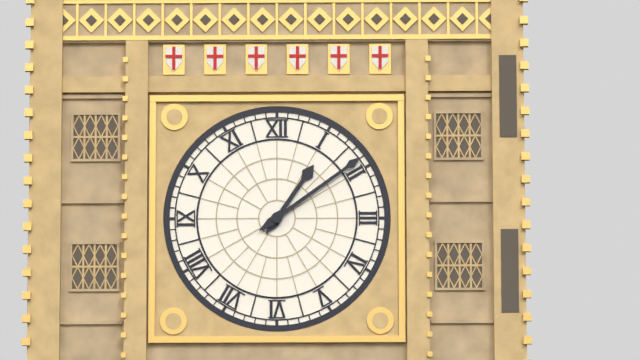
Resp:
**1:09**
